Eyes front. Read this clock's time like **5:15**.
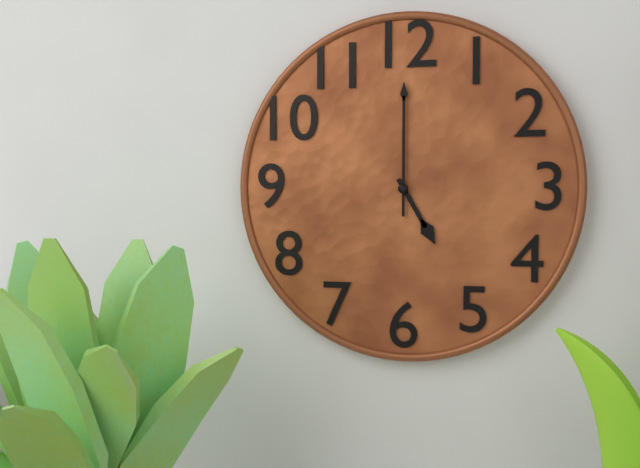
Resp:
**5:00**
